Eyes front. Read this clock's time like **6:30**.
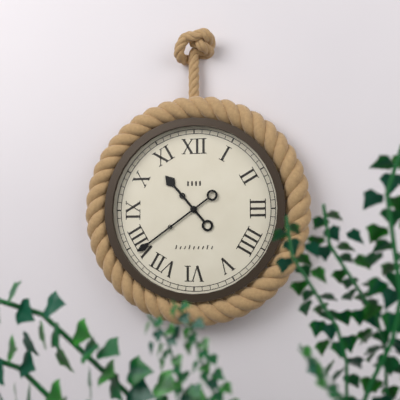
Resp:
**10:39**
